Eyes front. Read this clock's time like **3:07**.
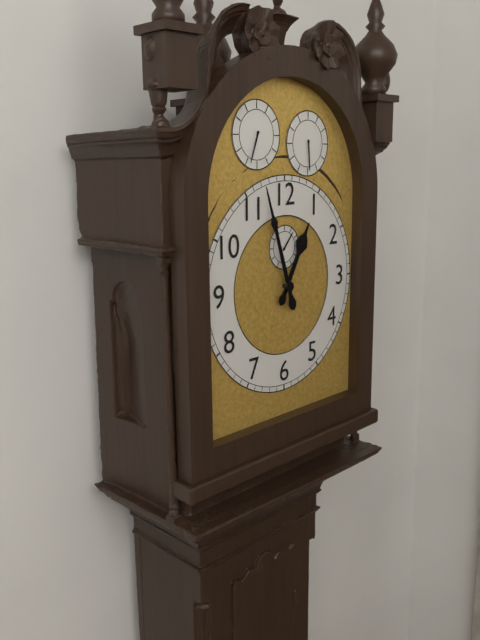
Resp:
**12:57**
